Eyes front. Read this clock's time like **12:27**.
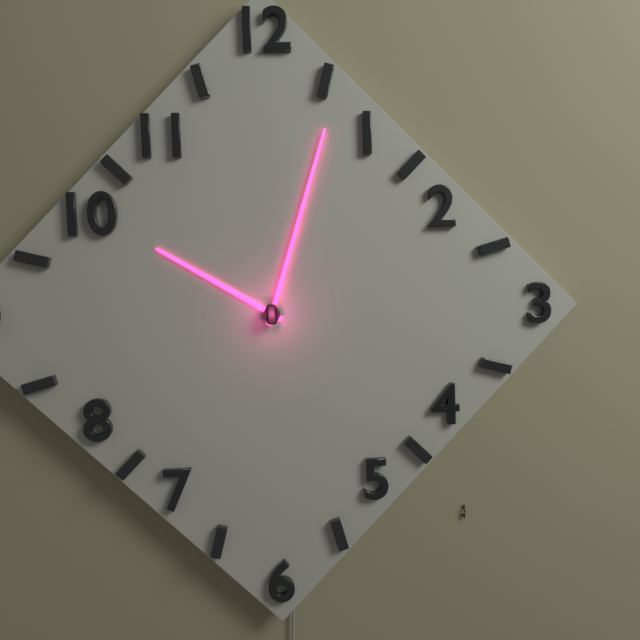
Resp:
**10:03**
